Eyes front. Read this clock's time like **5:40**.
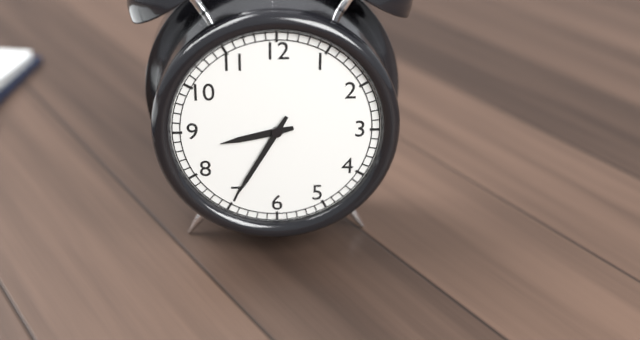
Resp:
**8:35**
